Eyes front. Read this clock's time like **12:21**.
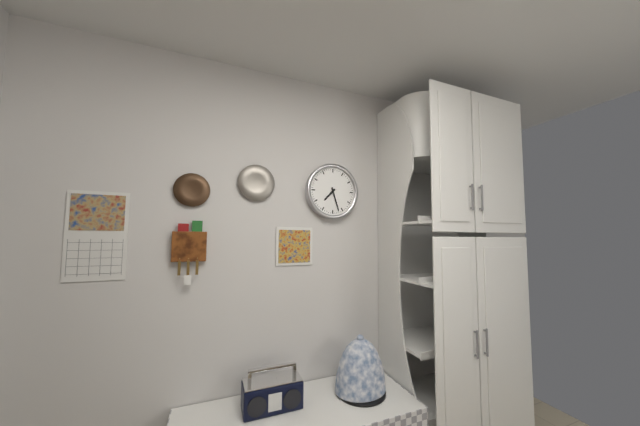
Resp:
**7:27**
